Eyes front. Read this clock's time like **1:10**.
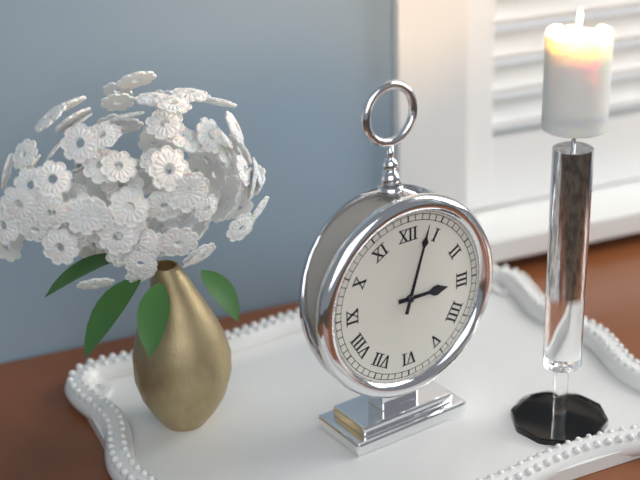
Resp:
**3:03**
